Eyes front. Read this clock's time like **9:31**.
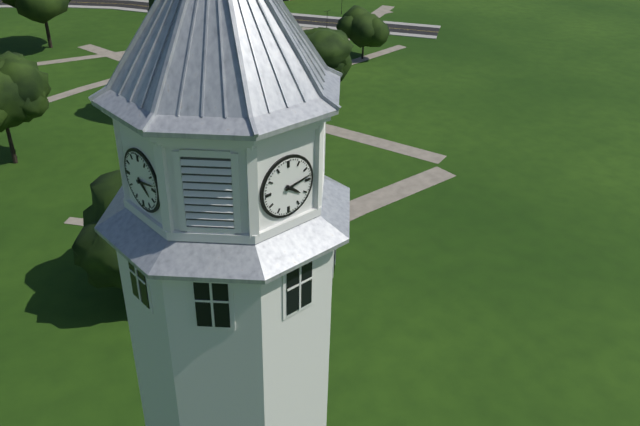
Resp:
**4:13**
